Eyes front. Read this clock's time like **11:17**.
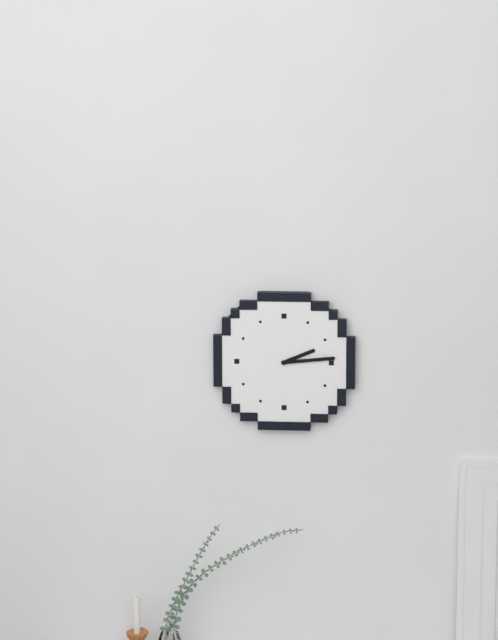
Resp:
**2:14**
